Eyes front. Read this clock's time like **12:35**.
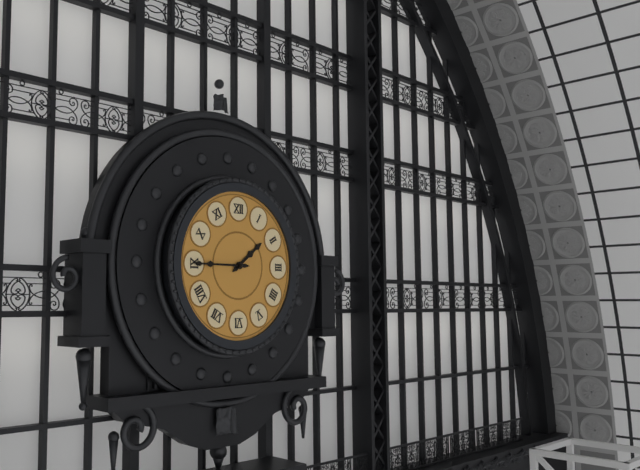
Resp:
**1:45**
